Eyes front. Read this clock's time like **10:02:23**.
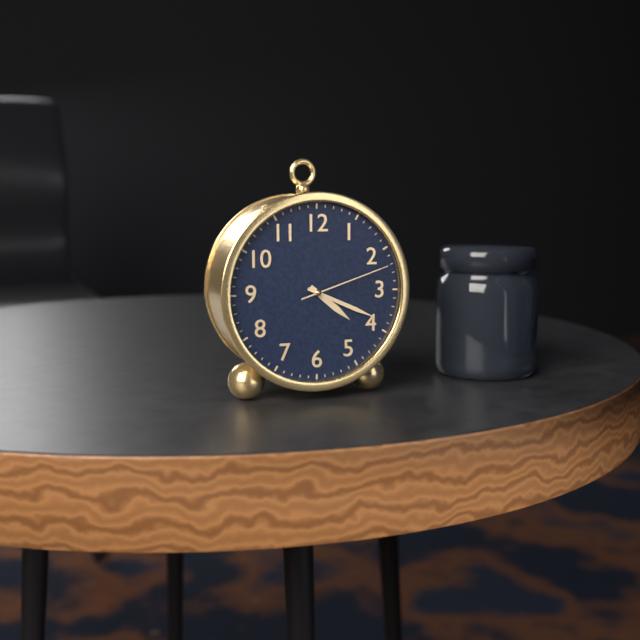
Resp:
**4:19:12**
